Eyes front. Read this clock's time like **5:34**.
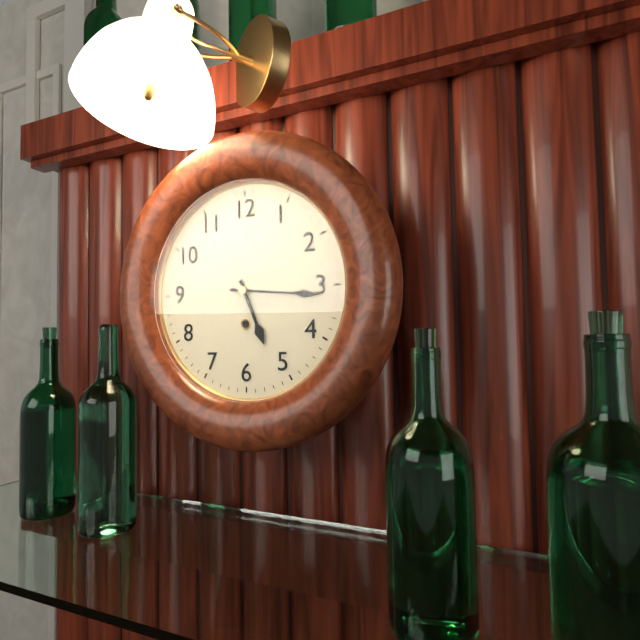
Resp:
**5:16**
